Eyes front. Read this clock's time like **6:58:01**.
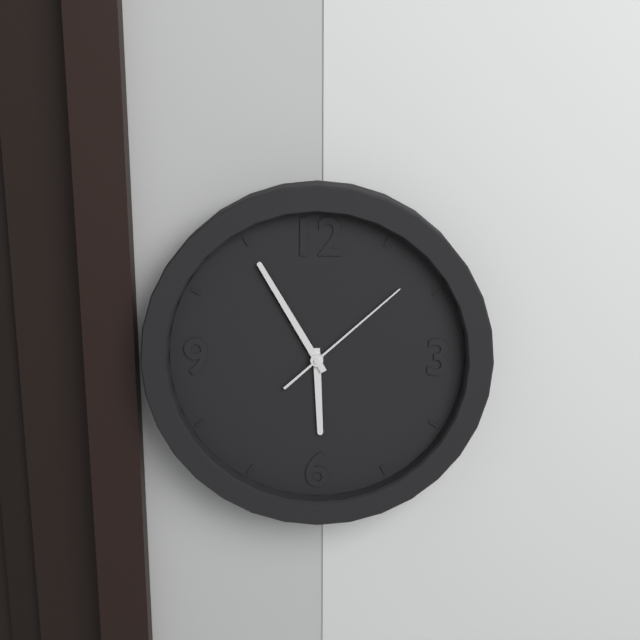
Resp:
**5:55:08**
